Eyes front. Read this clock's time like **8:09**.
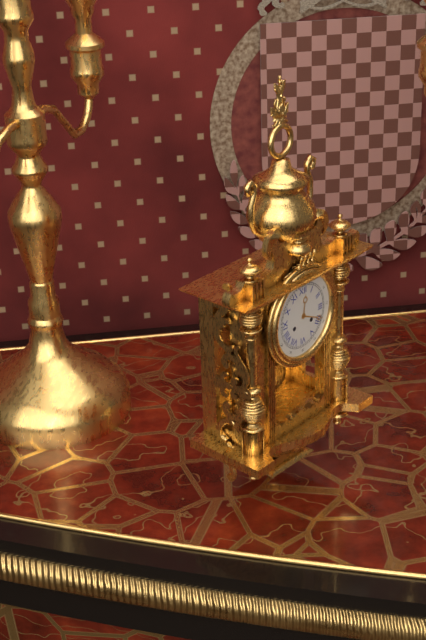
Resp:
**12:19**
